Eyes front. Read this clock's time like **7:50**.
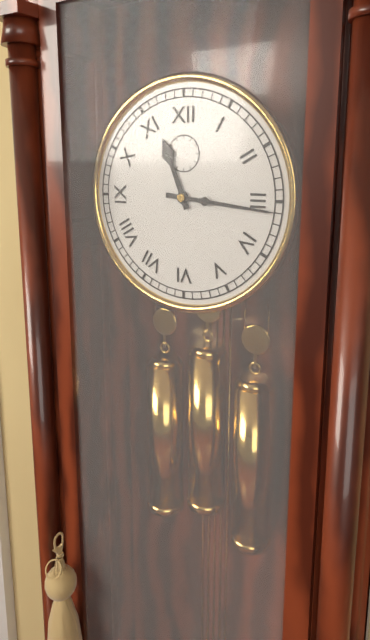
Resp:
**11:16**
